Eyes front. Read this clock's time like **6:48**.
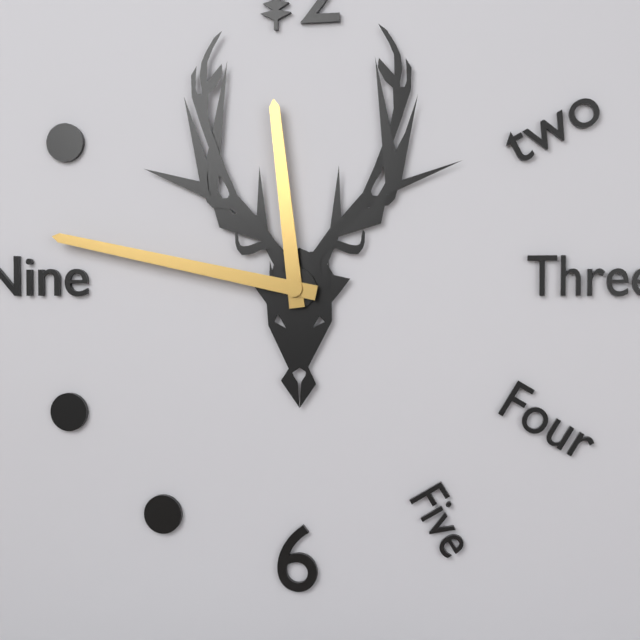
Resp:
**11:47**
